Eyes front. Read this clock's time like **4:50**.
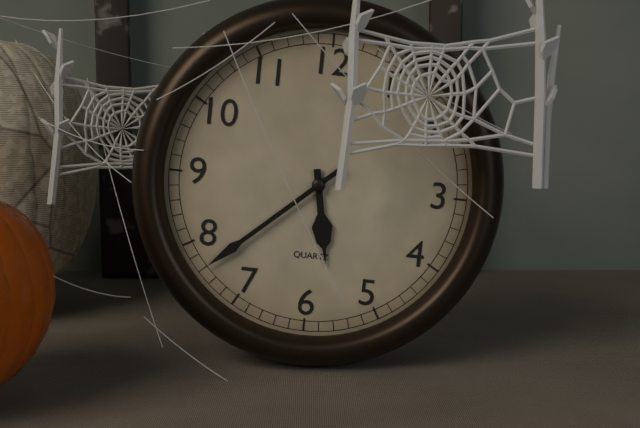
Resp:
**5:38**
